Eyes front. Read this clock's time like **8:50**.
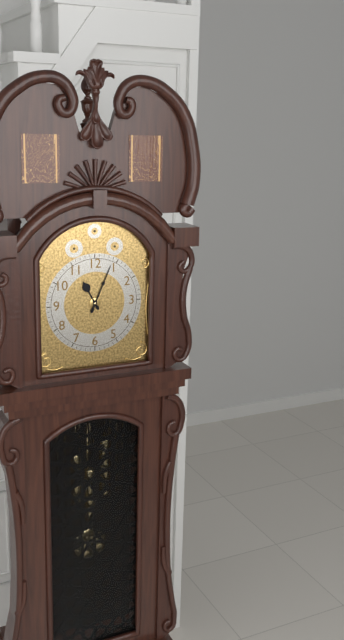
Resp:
**11:04**
